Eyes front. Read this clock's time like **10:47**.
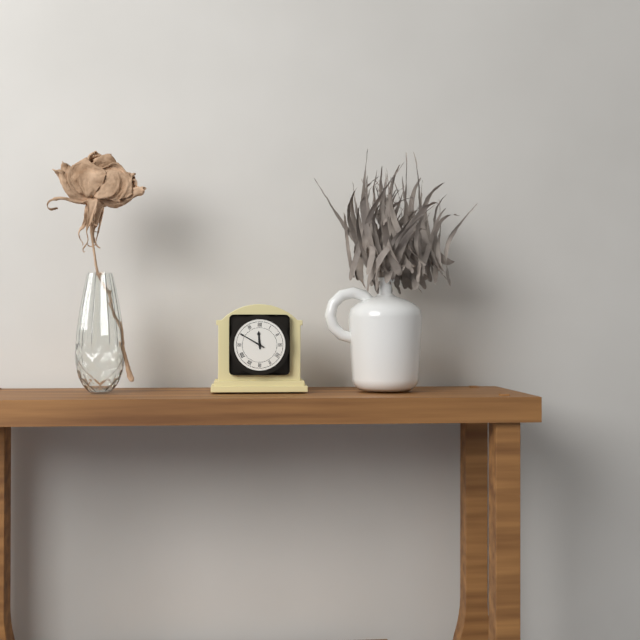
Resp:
**11:50**
